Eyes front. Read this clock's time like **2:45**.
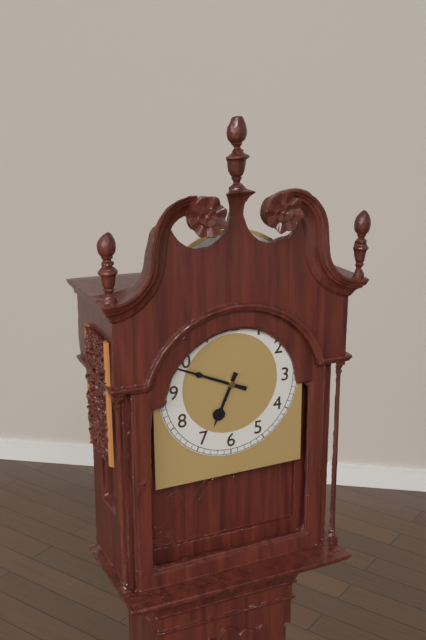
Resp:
**6:49**
